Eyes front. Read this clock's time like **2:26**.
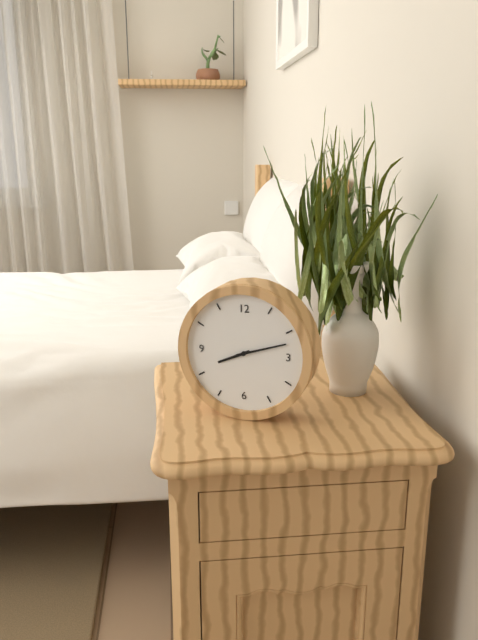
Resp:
**8:12**
